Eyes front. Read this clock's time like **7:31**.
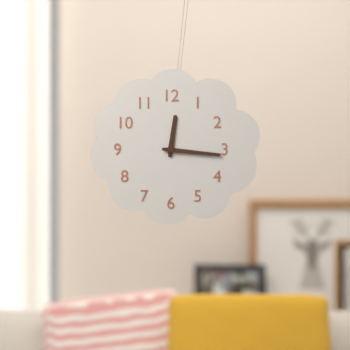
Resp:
**12:16**
